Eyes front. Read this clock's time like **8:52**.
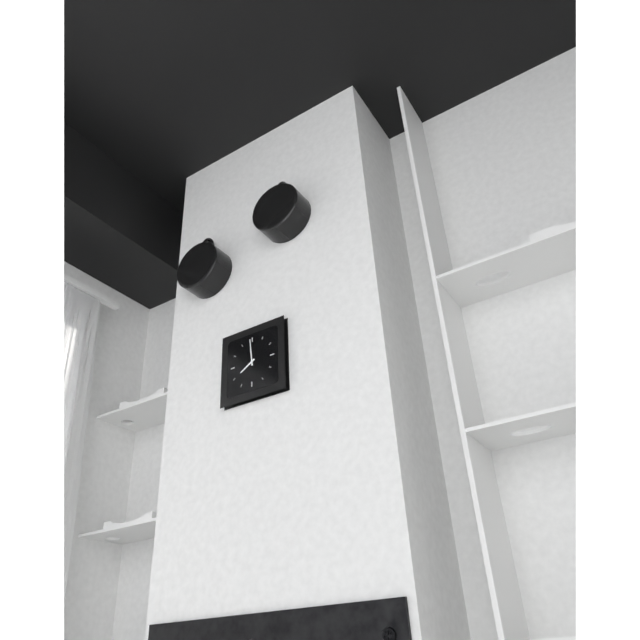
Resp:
**7:59**
